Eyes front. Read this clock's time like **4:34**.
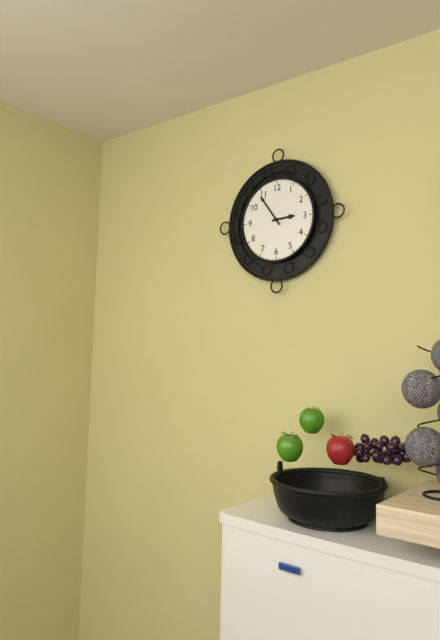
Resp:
**2:54**
